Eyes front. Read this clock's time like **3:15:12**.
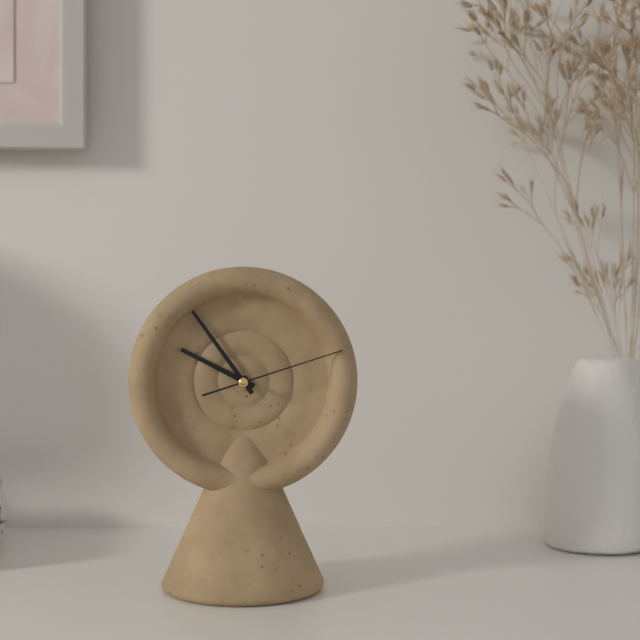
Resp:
**9:54:12**
